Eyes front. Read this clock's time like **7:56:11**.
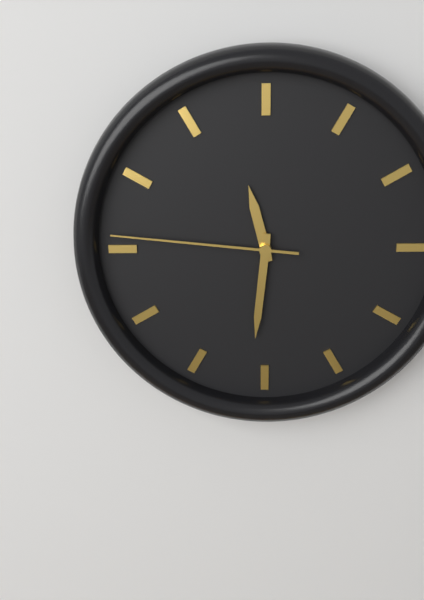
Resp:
**11:31:46**
